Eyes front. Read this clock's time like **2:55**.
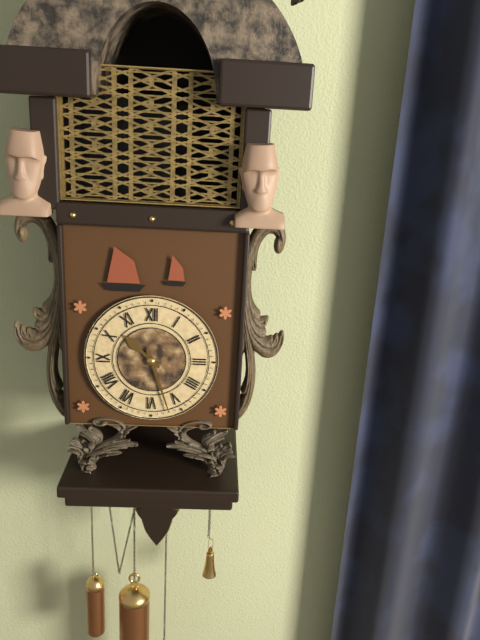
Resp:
**10:27**
